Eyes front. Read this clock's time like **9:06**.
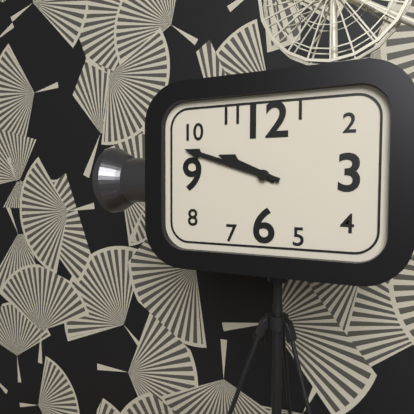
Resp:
**9:48**
